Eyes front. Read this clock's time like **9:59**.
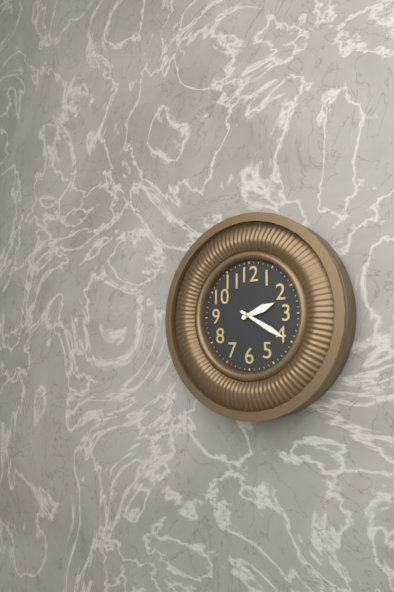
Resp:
**2:20**
